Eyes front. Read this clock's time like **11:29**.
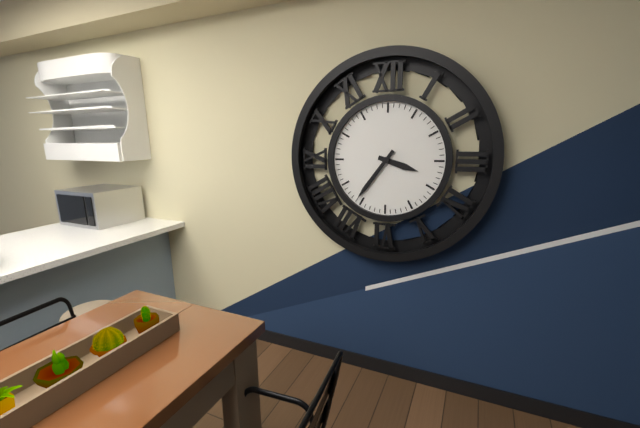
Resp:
**3:36**
